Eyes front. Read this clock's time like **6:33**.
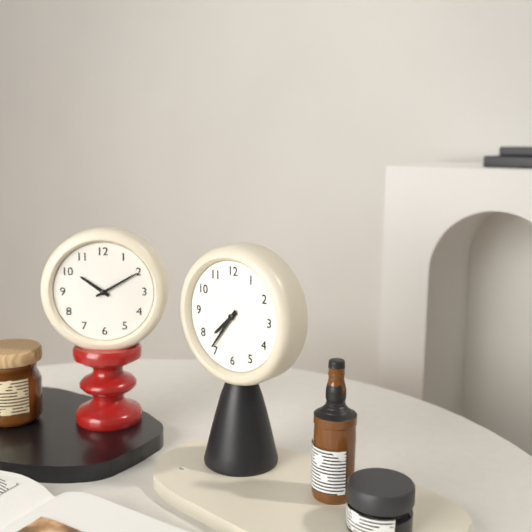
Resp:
**7:36**
